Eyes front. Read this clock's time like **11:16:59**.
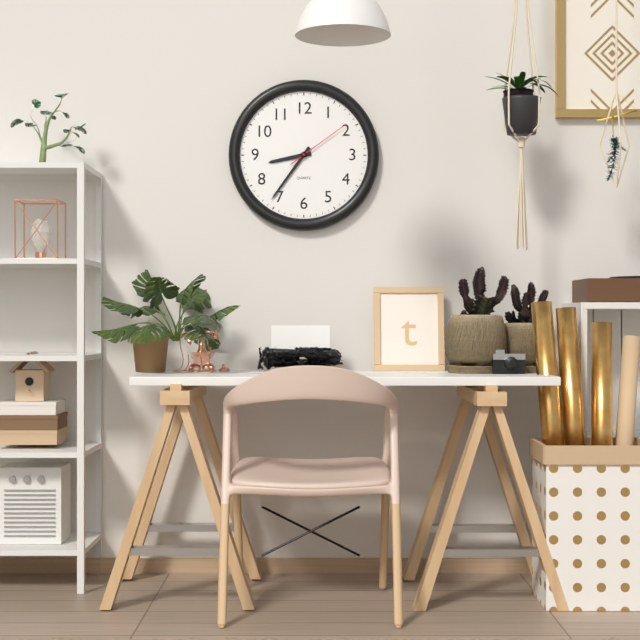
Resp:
**8:36:09**
